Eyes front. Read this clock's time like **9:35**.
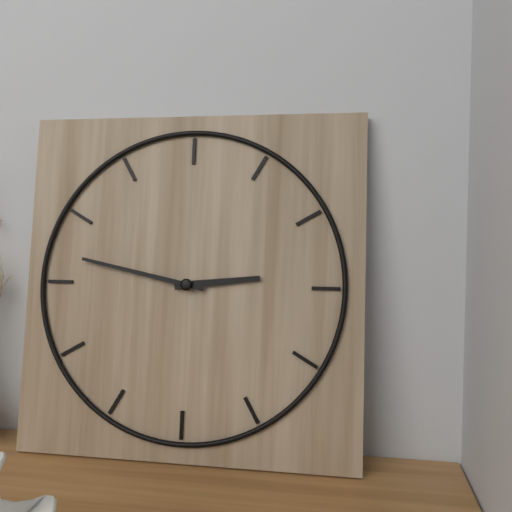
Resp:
**2:47**
